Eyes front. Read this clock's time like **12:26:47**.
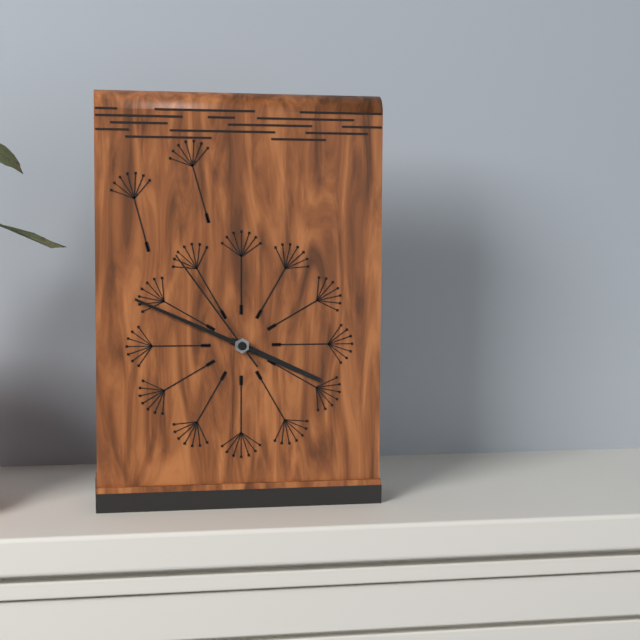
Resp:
**3:49:54**
